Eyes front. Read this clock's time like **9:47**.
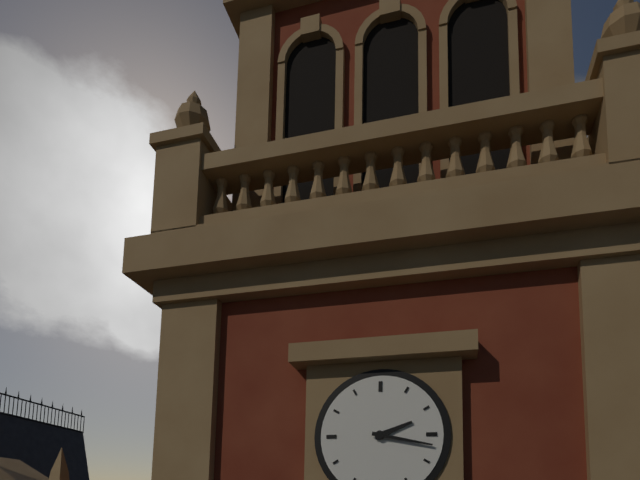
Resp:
**2:17**
